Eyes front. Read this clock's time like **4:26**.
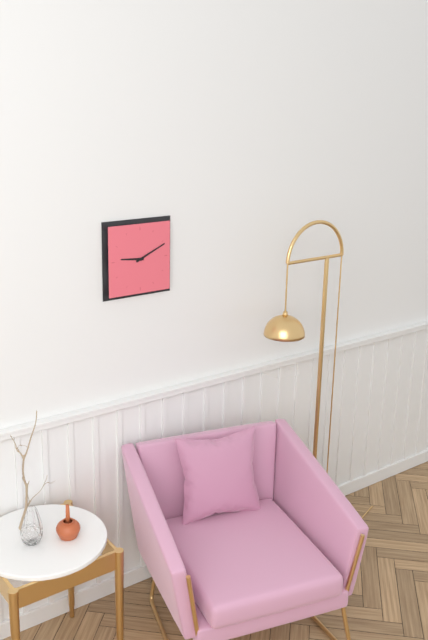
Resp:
**9:11**
